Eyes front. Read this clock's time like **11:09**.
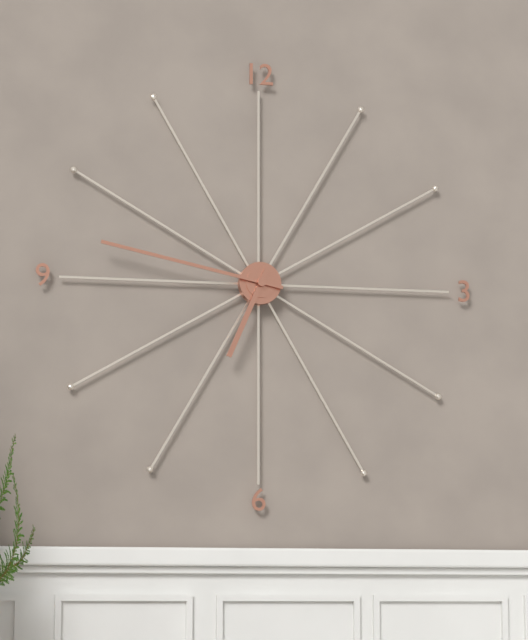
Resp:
**6:47**
